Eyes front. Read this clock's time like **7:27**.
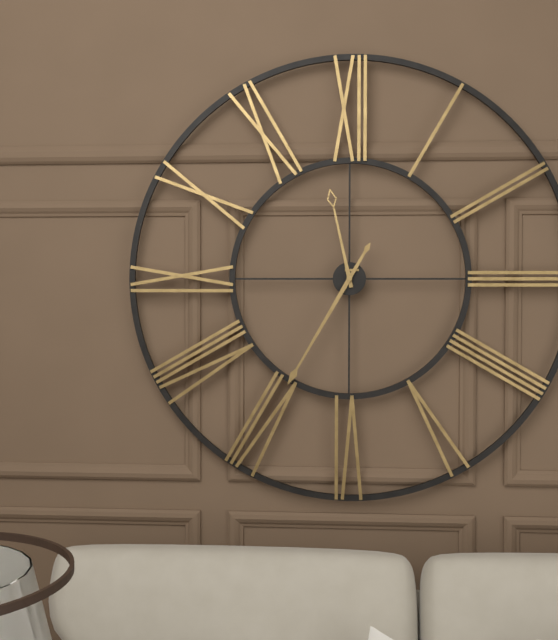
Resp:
**11:35**
